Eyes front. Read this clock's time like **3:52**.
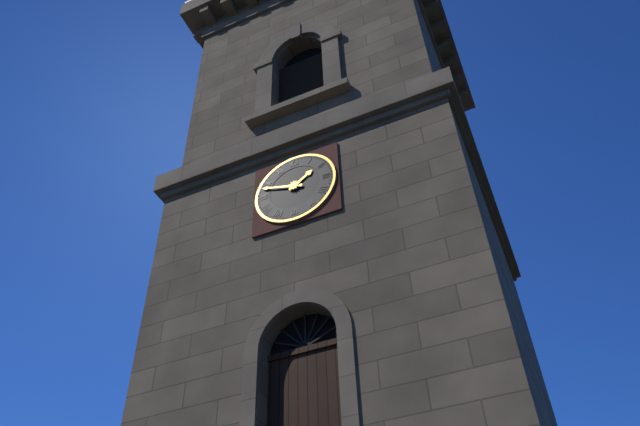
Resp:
**1:48**
